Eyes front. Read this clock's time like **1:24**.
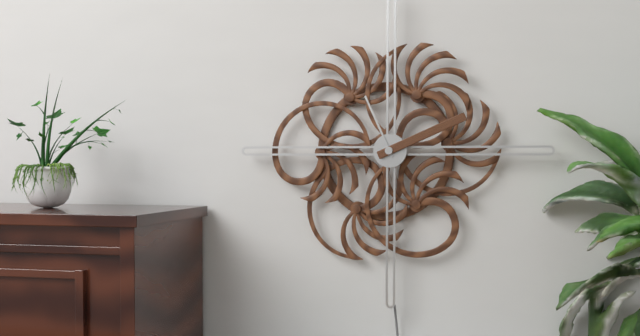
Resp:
**11:11**
